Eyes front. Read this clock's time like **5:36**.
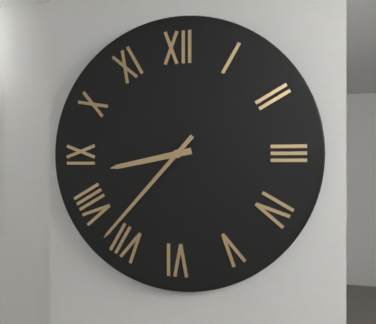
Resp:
**8:37**
